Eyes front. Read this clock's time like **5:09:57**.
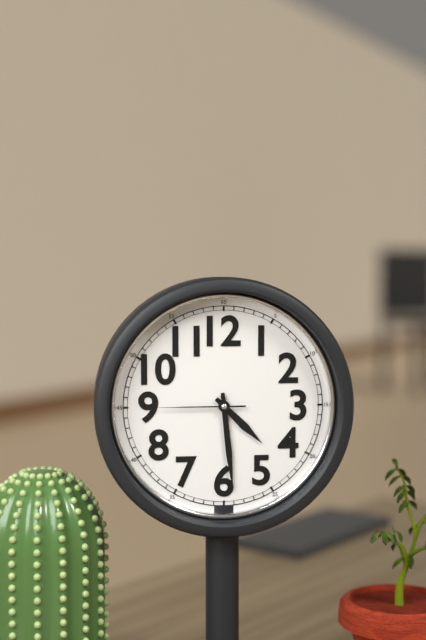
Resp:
**4:29:45**
